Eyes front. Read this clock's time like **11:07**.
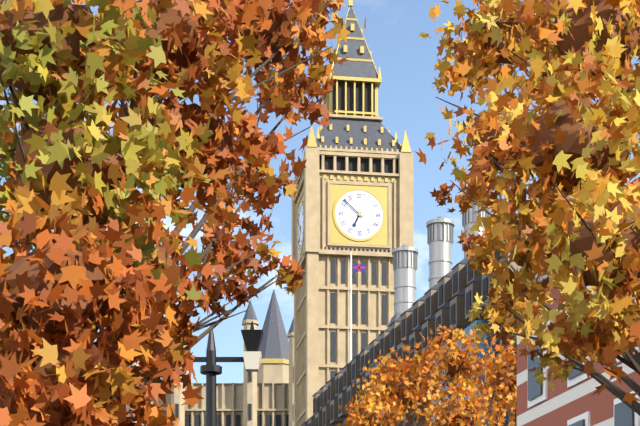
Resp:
**6:52**
